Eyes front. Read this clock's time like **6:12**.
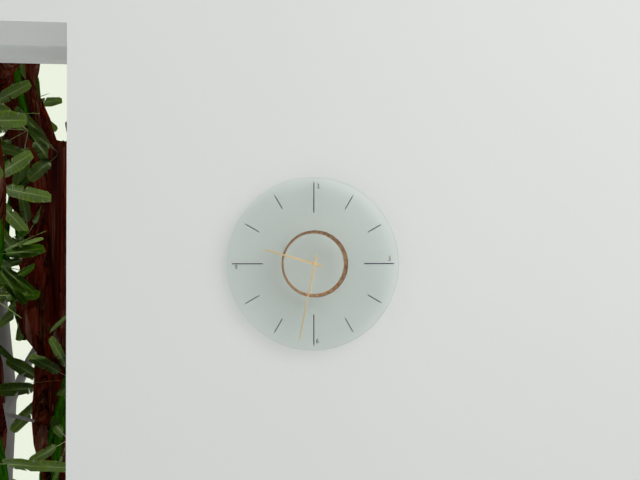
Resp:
**9:32**
